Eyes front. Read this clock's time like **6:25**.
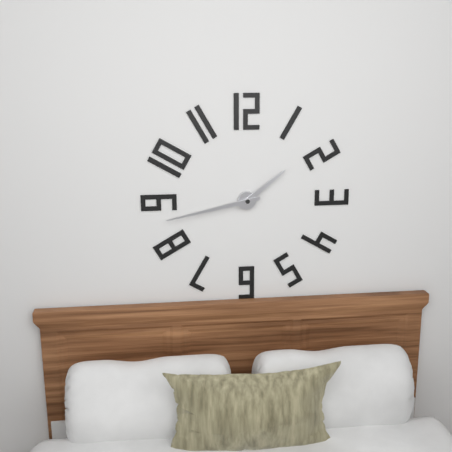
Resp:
**1:43**
